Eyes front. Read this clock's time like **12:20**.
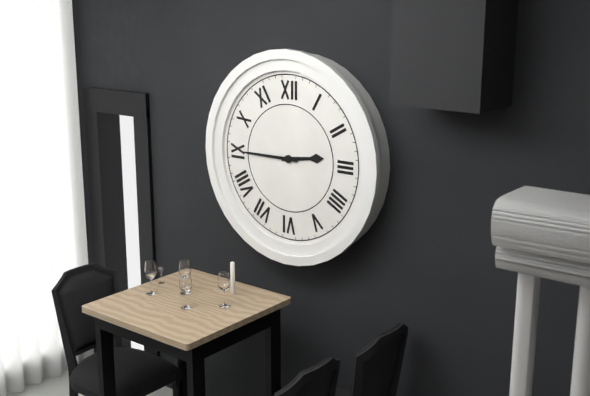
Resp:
**2:45**
